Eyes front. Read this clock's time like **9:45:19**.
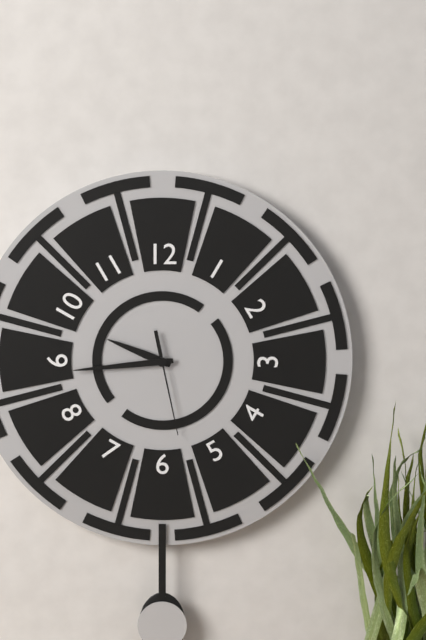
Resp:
**9:44:28**
